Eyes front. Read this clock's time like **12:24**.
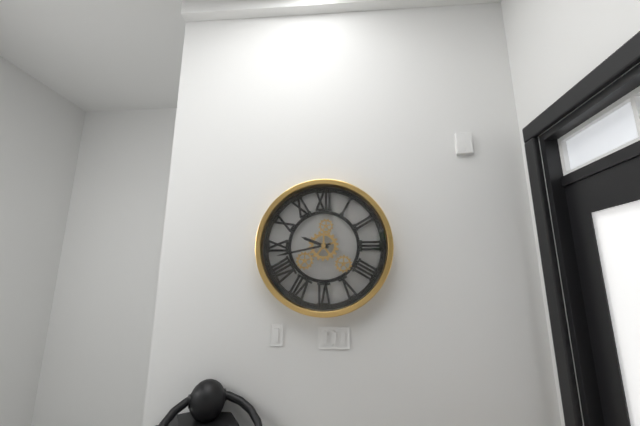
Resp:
**9:43**
